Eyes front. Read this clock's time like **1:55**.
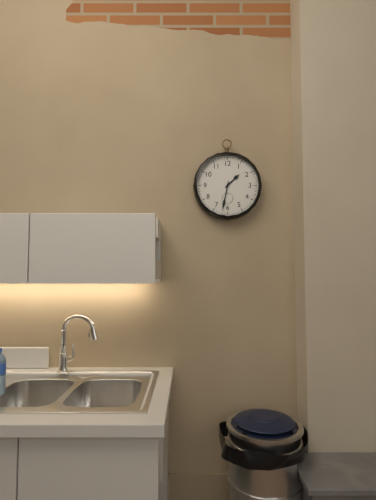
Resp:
**1:32**
